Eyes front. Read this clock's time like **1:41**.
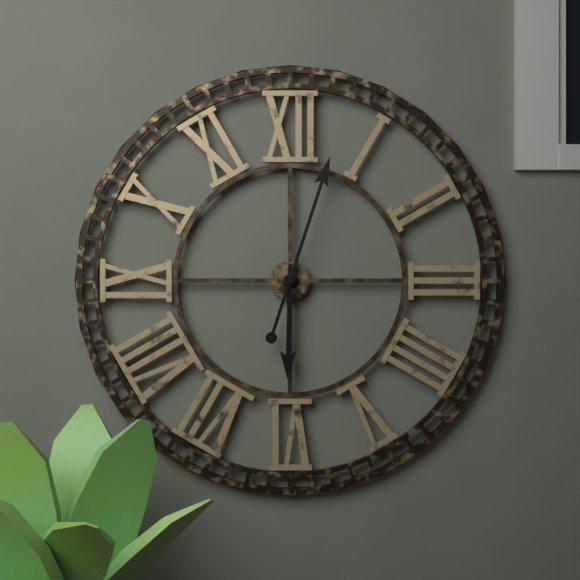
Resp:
**6:03**
